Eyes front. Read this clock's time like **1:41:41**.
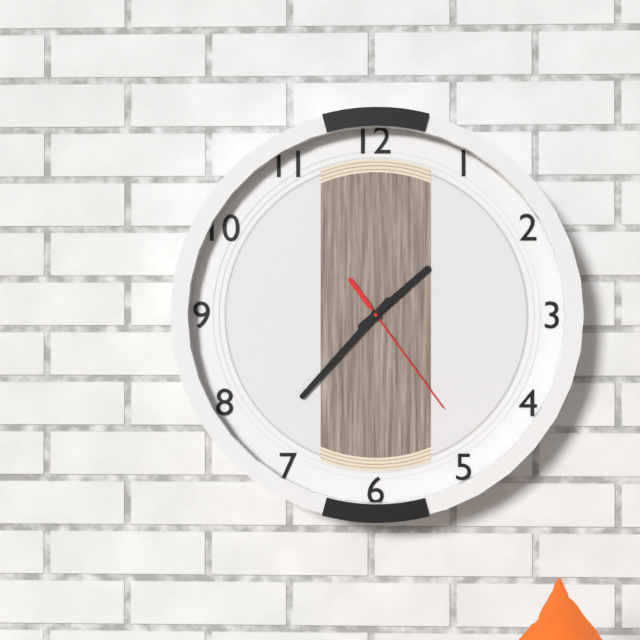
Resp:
**1:37:24**
